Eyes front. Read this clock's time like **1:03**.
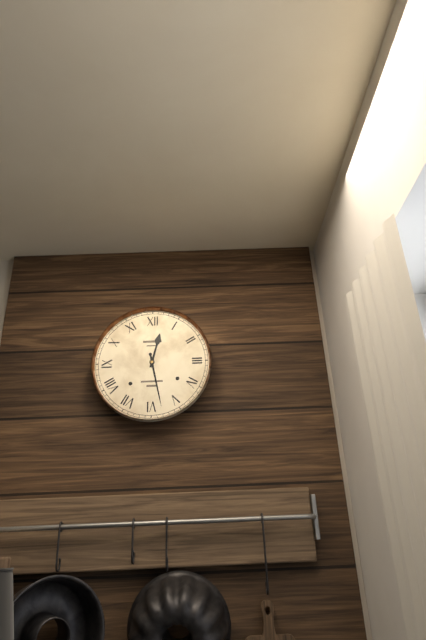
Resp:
**12:28**
